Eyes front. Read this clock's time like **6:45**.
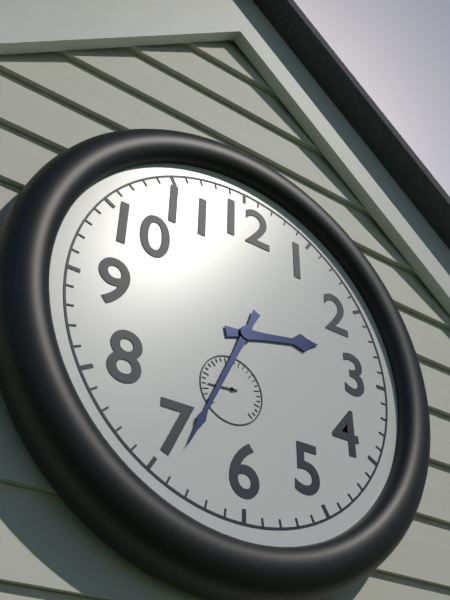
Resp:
**2:34**
